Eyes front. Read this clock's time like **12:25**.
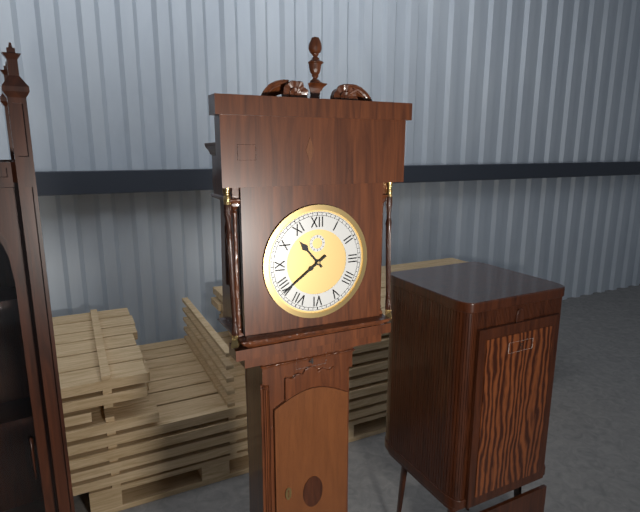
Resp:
**10:39**
